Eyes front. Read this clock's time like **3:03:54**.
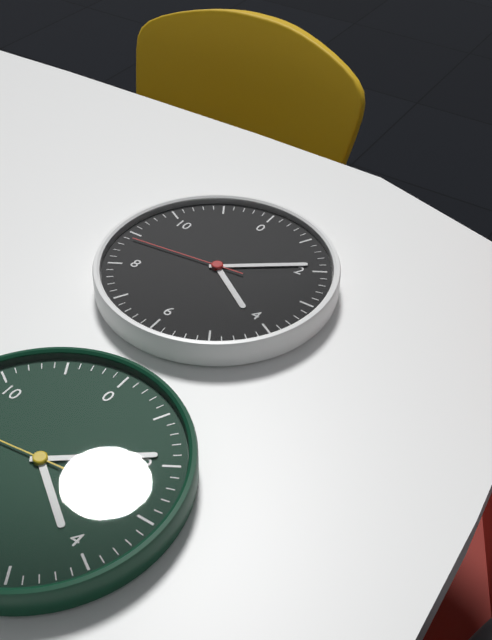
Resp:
**4:09:44**
